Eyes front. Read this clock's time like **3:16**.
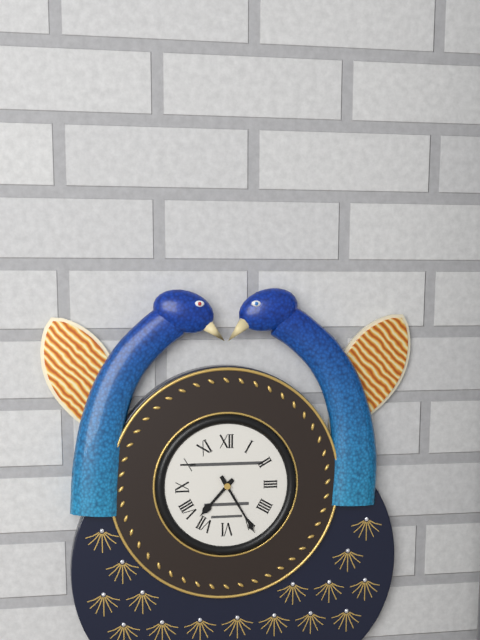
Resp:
**7:25**
